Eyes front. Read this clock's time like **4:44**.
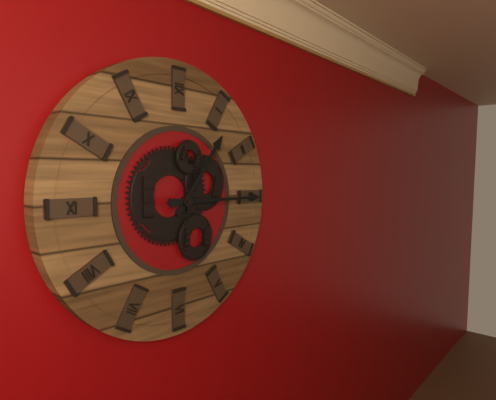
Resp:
**1:15**
